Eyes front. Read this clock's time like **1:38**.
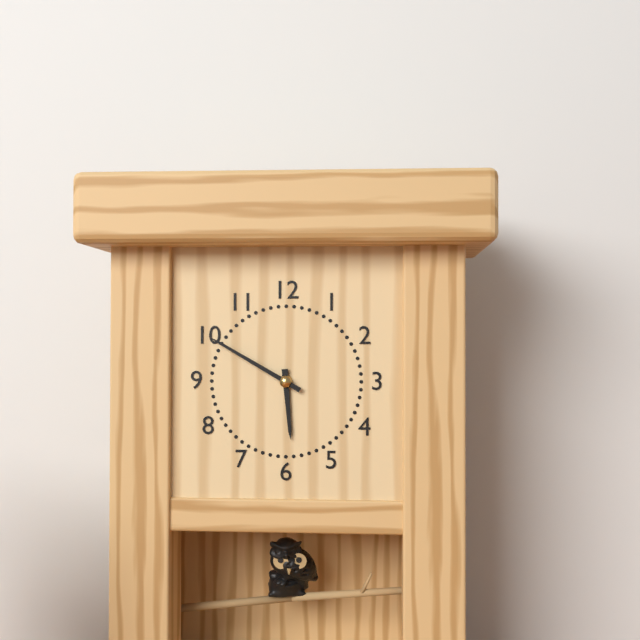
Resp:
**5:50**
